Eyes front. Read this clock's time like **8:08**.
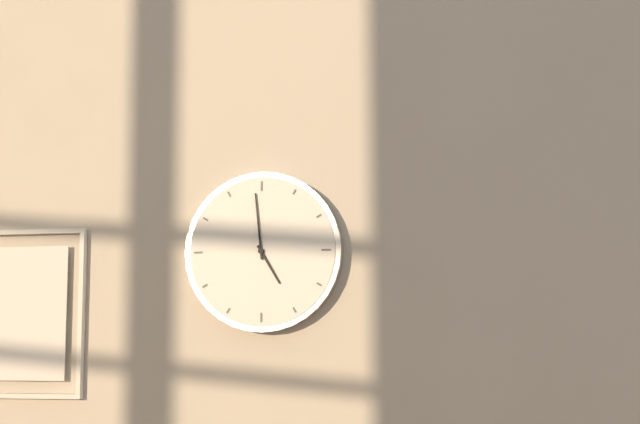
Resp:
**4:59**
